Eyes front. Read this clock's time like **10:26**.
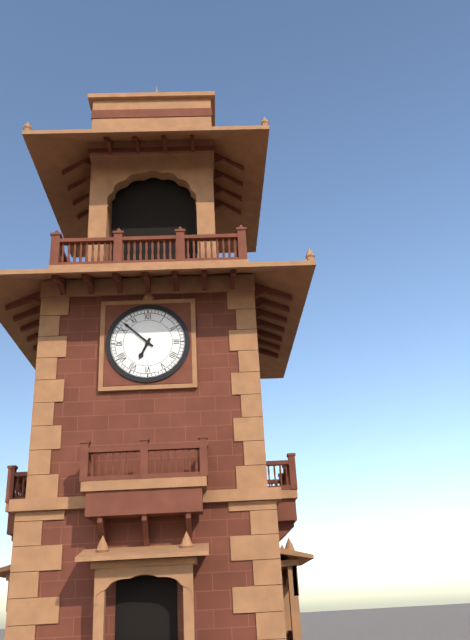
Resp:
**6:52**
